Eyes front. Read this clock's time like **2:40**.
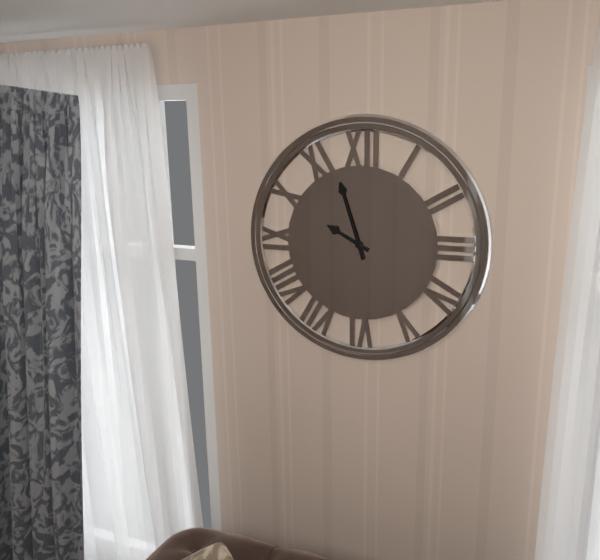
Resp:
**9:57**
